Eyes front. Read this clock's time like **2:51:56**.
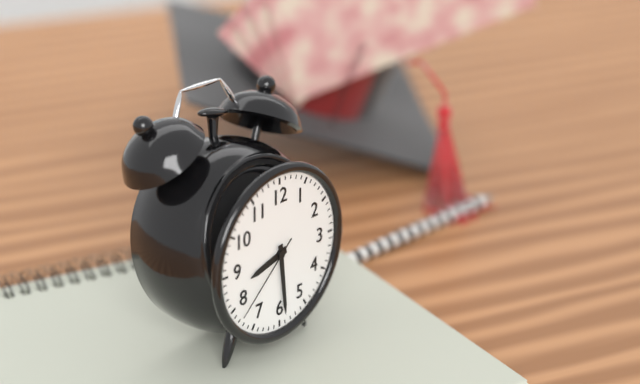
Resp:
**8:29:38**
